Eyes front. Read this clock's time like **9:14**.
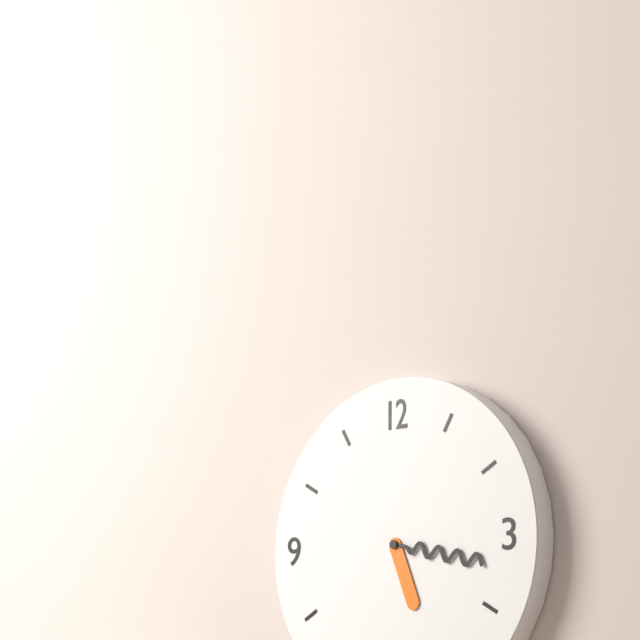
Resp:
**5:17**
